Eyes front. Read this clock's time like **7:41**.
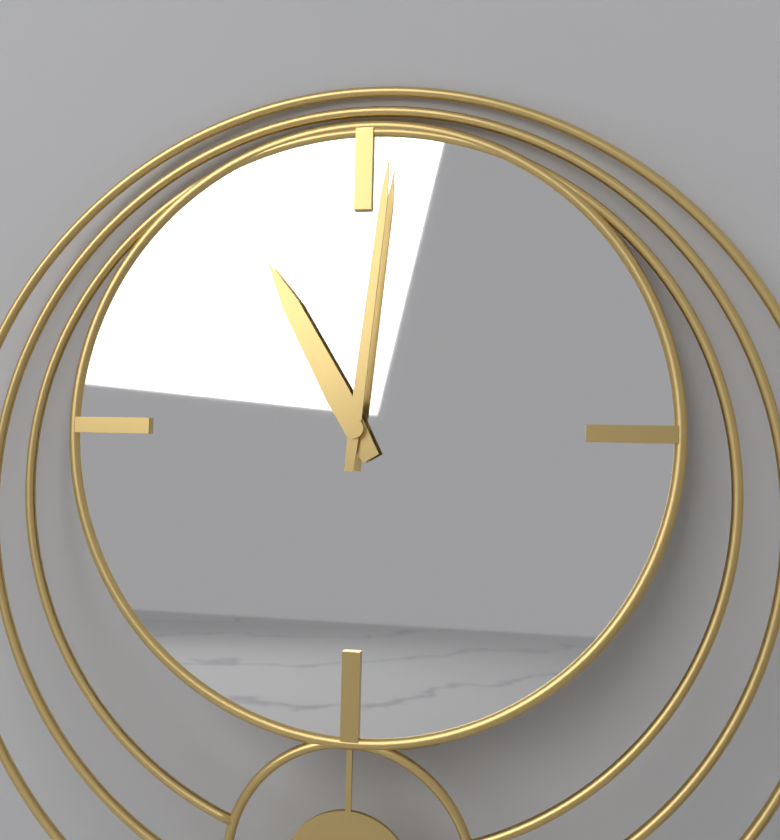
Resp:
**11:01**
